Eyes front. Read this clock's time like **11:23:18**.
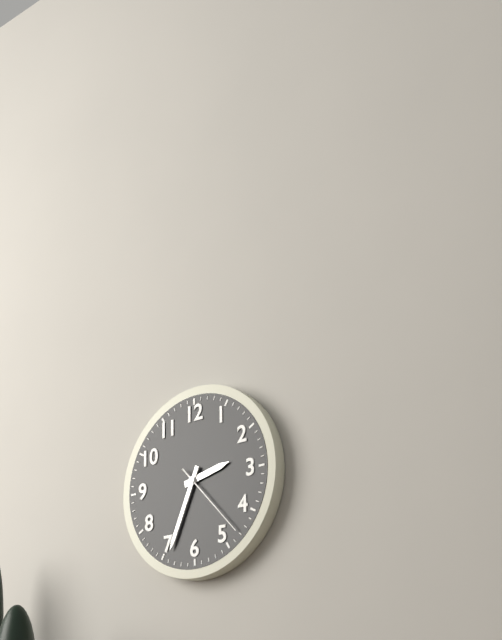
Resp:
**2:34:23**
